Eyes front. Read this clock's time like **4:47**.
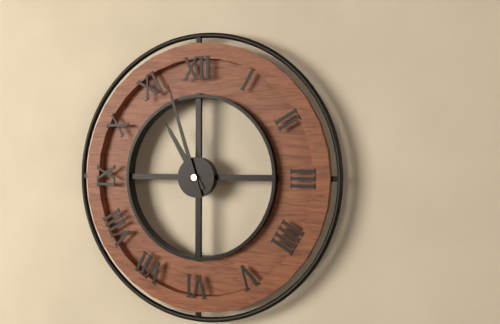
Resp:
**10:57**
